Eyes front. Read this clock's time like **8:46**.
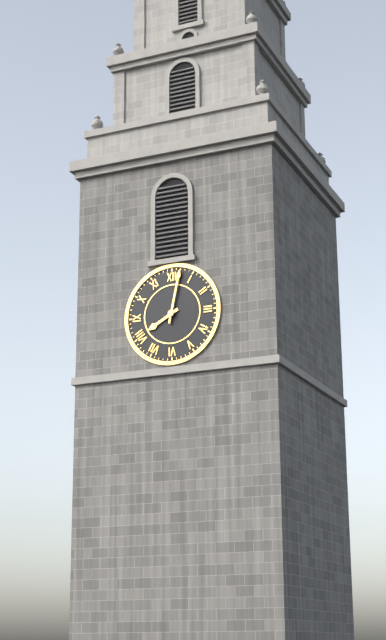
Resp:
**8:02**
